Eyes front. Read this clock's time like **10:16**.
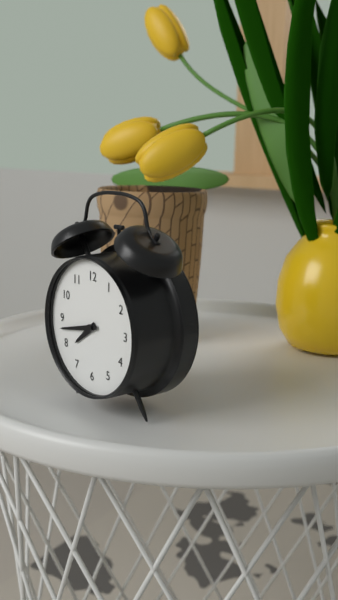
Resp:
**7:43**
